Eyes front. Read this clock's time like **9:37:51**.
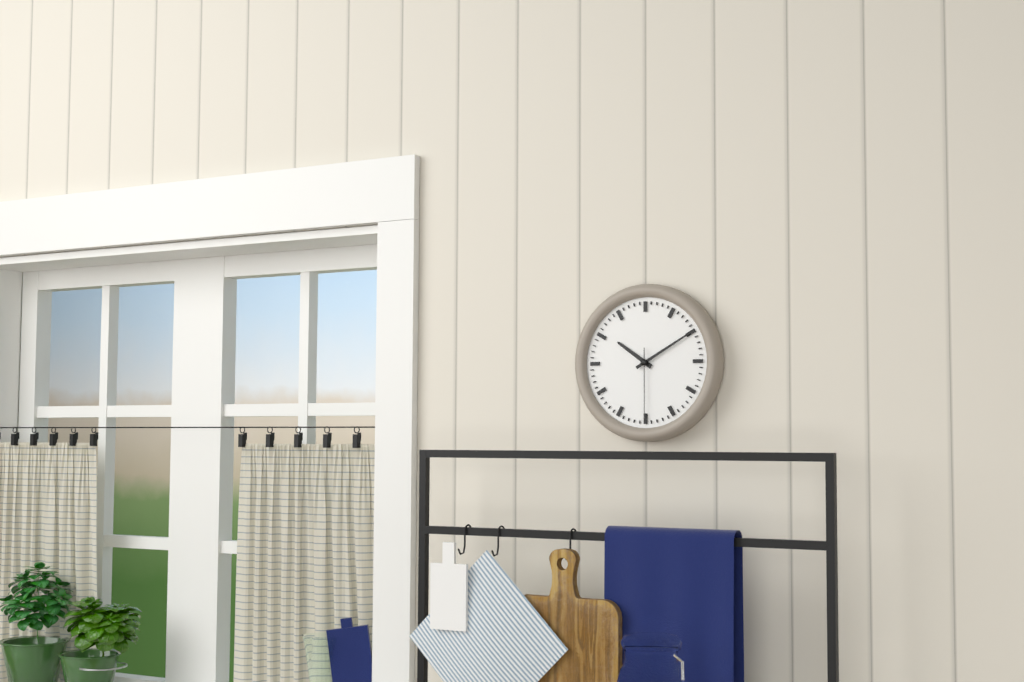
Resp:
**10:10:30**
